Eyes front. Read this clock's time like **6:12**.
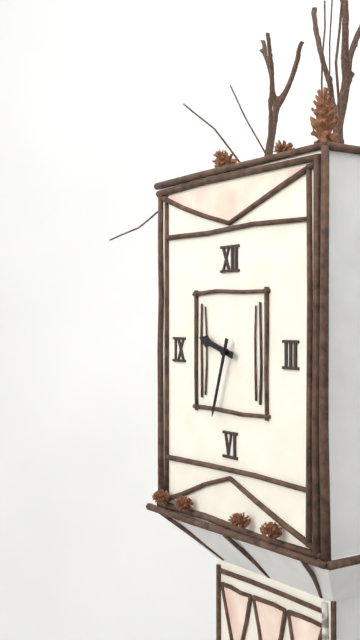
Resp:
**9:33**
